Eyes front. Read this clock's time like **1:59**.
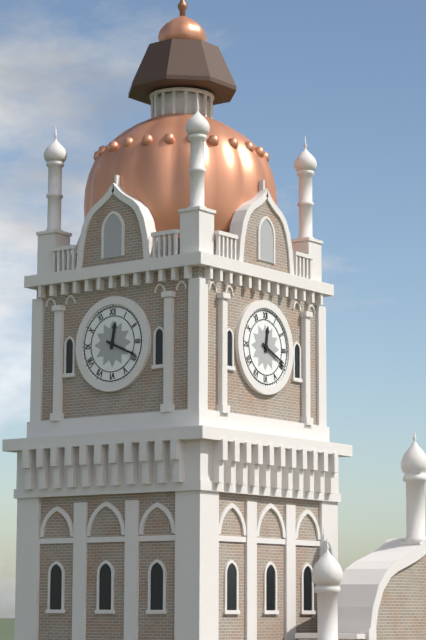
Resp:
**12:19**
